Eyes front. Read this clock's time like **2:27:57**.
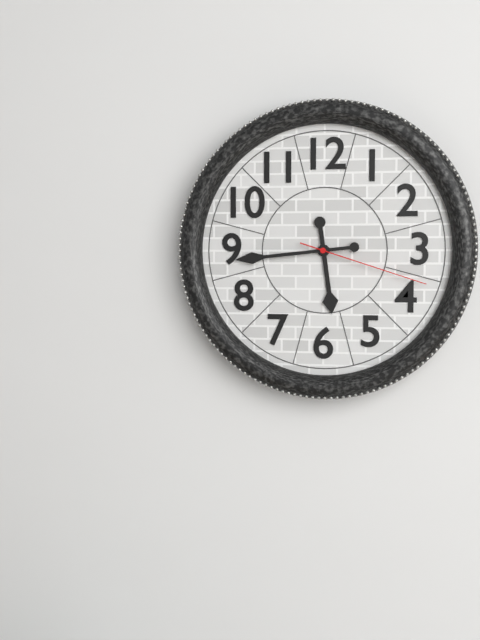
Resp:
**5:44:18**
